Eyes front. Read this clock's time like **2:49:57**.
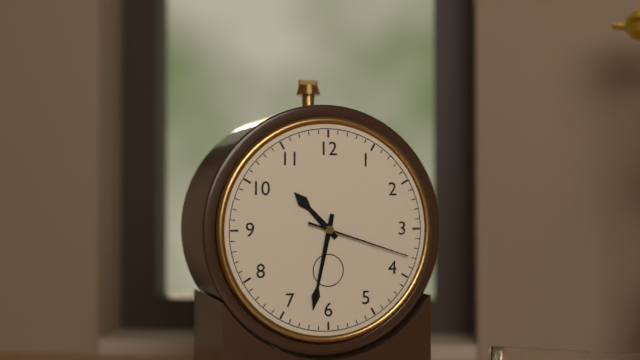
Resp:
**10:32:18**
